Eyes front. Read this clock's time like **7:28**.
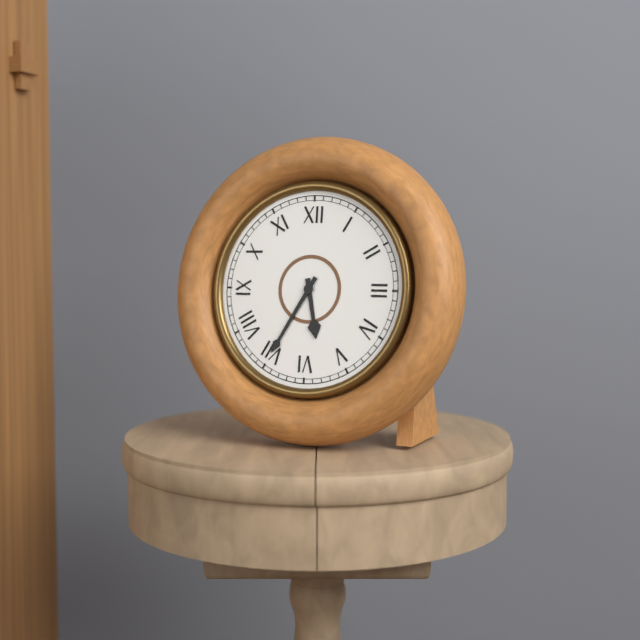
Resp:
**5:35**
